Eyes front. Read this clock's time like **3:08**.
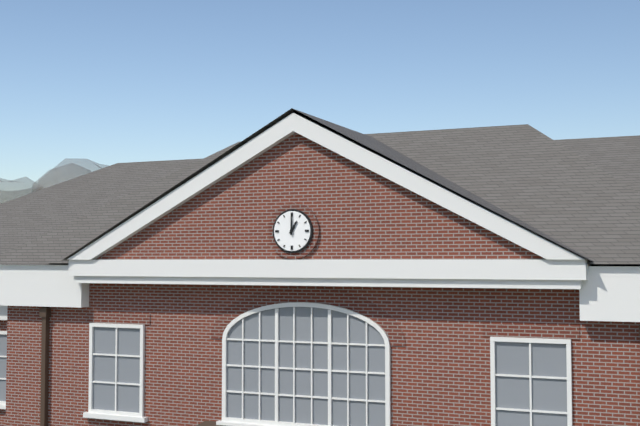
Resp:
**1:00**
